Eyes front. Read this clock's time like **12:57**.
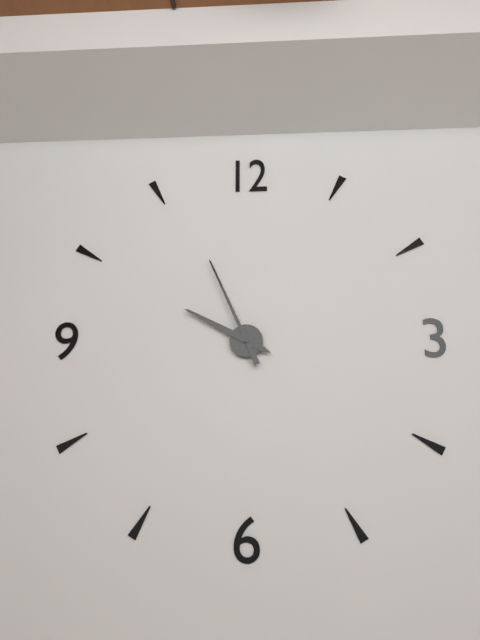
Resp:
**9:56**
